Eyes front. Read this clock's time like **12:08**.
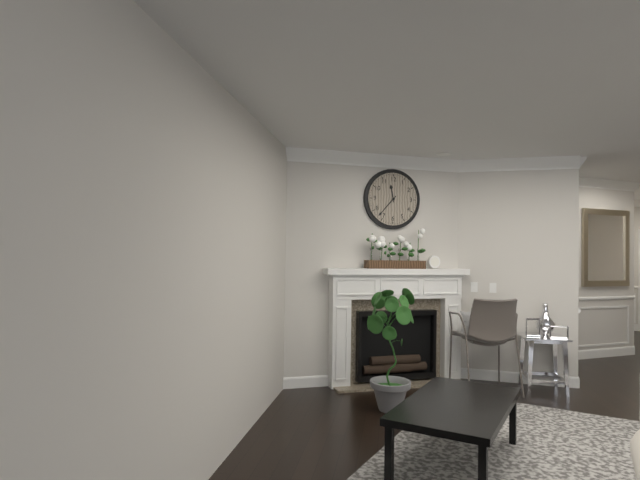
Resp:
**11:37**
